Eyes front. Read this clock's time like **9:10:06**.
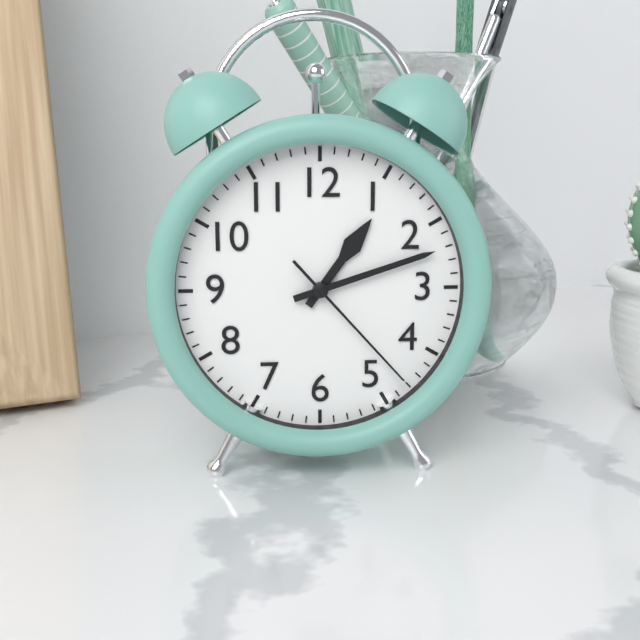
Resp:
**1:12:23**
